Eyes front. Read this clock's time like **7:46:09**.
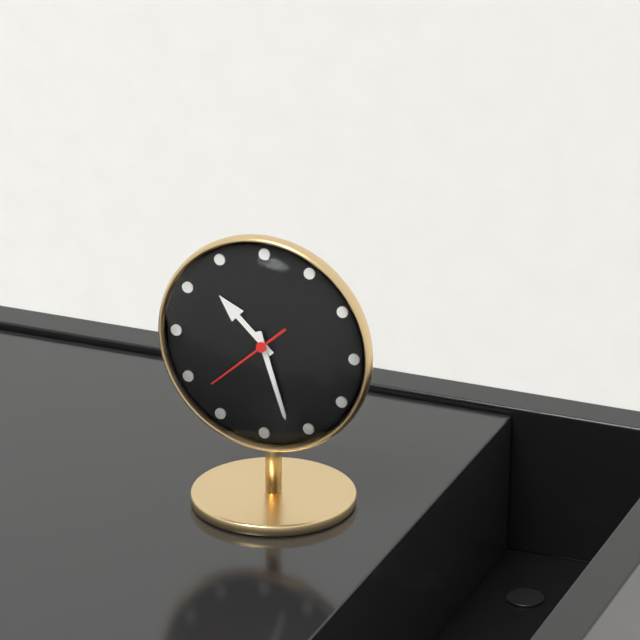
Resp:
**10:27:38**
